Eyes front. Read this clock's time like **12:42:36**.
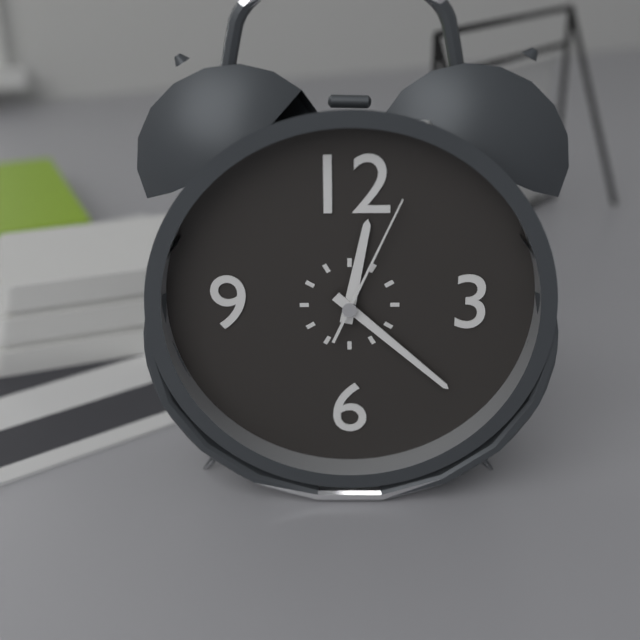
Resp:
**12:22:04**
